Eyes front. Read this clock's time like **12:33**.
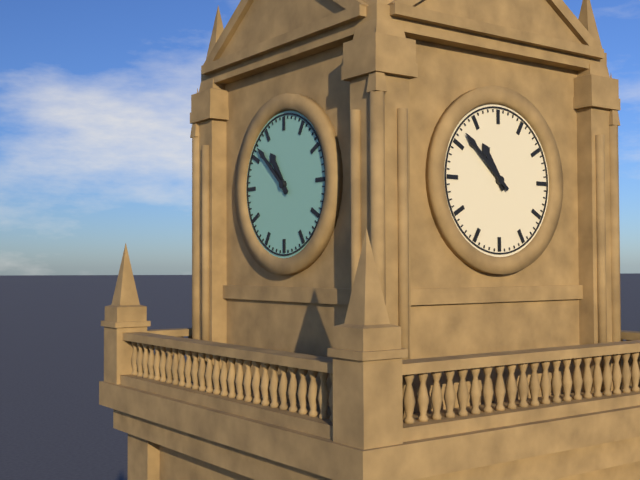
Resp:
**10:52**
